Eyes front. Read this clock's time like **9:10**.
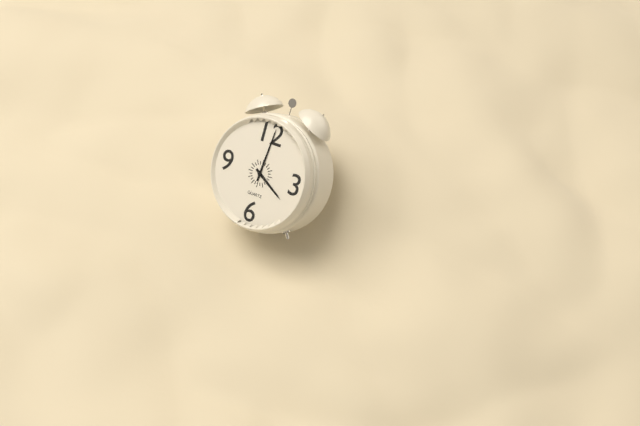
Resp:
**4:01**
